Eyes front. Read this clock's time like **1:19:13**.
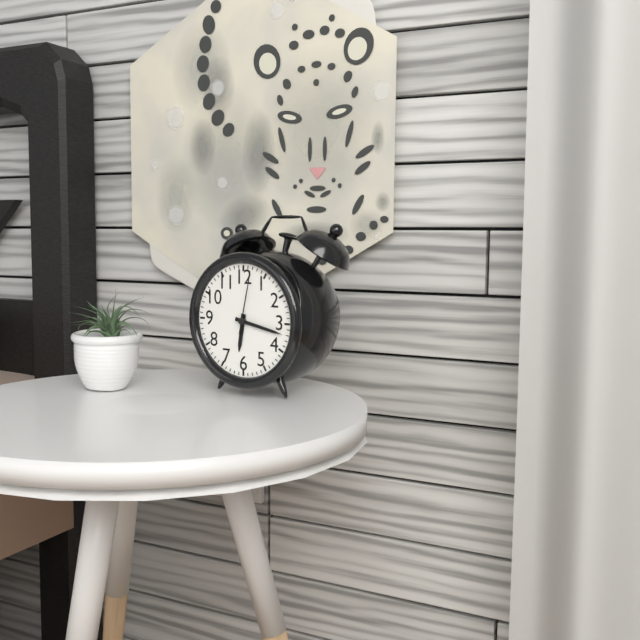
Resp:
**6:17:02**
